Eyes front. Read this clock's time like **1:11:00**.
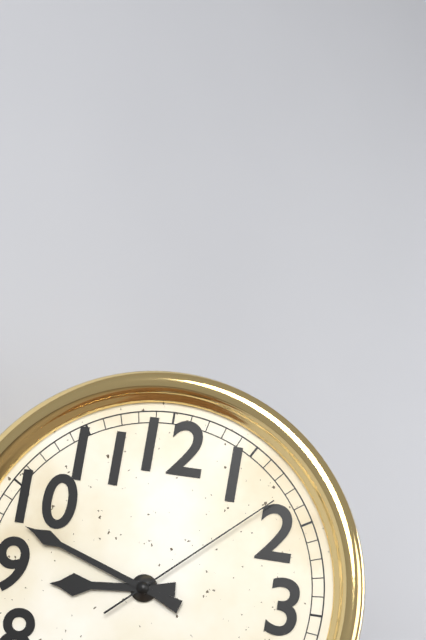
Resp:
**8:48:08**
